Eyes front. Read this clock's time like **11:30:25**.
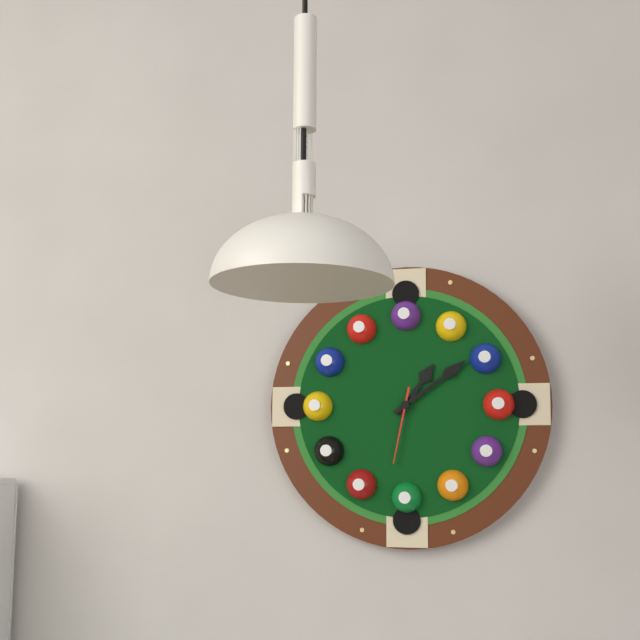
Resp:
**1:09:32**
